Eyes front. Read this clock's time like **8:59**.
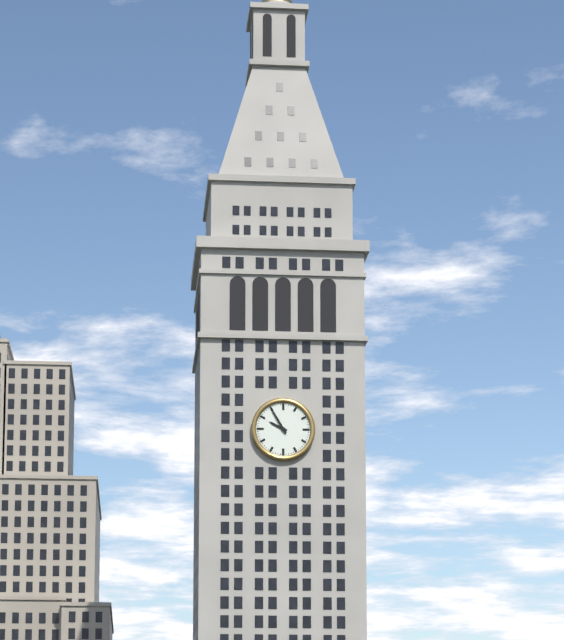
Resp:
**9:55**
